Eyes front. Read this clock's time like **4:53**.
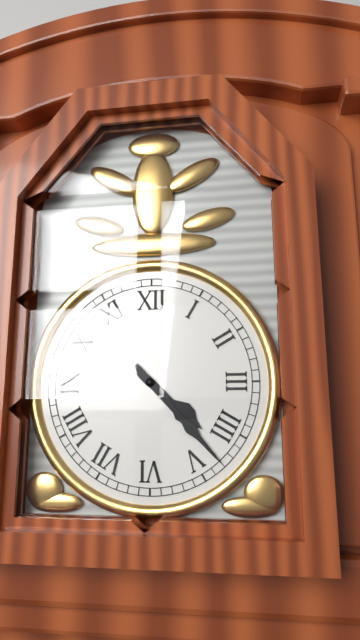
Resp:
**4:23**
